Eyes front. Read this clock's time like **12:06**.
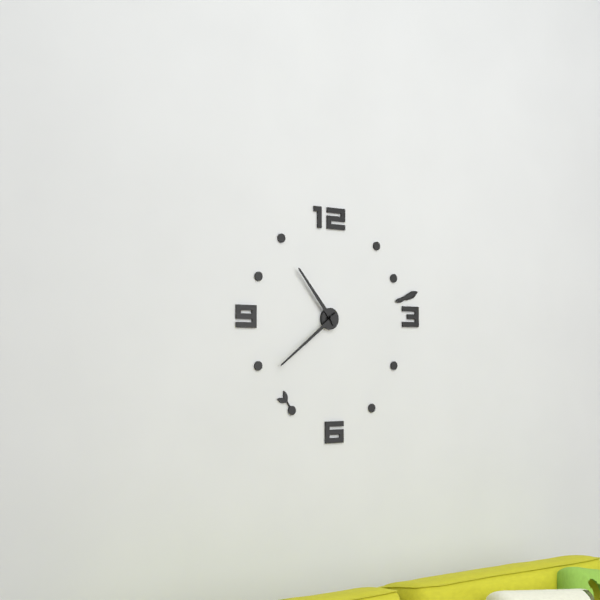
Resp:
**10:39**
